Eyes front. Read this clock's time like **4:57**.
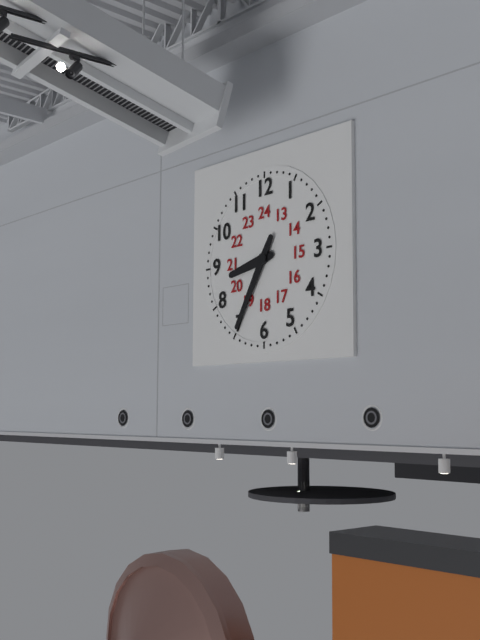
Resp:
**8:35**
